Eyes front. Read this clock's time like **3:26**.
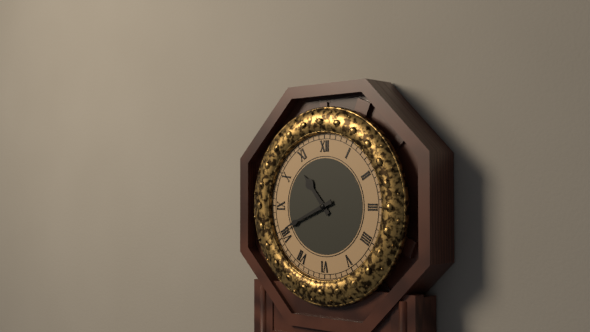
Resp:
**10:41**
